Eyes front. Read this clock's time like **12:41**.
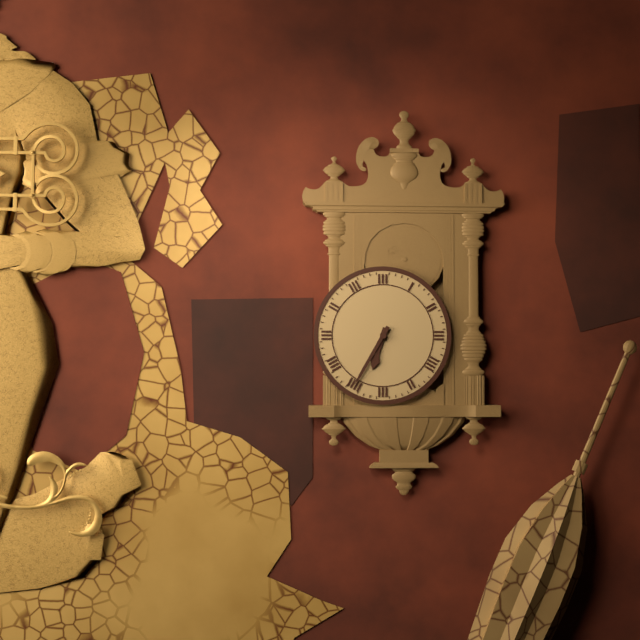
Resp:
**6:35**
